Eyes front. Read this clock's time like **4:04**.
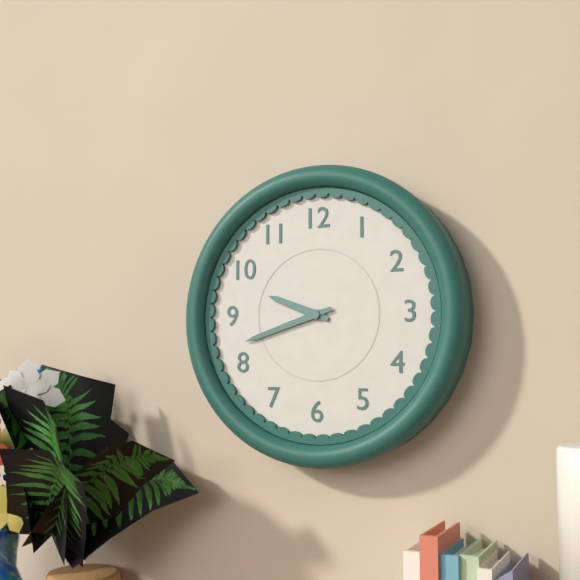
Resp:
**9:42**
